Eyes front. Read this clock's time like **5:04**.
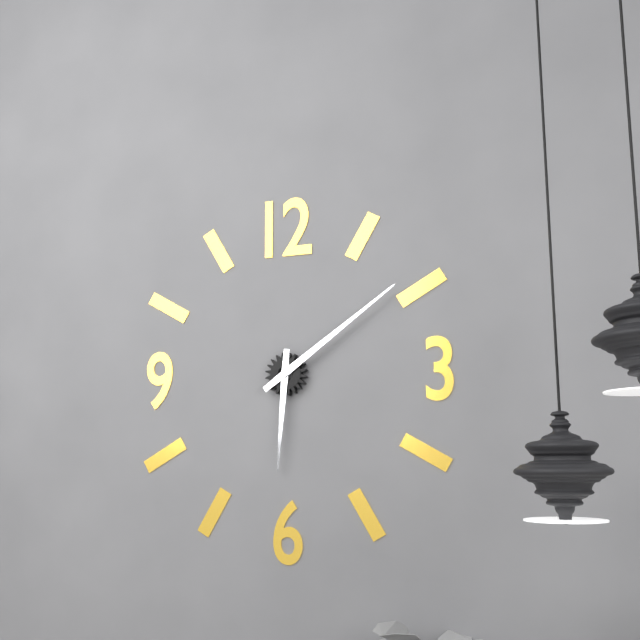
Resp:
**6:09**
